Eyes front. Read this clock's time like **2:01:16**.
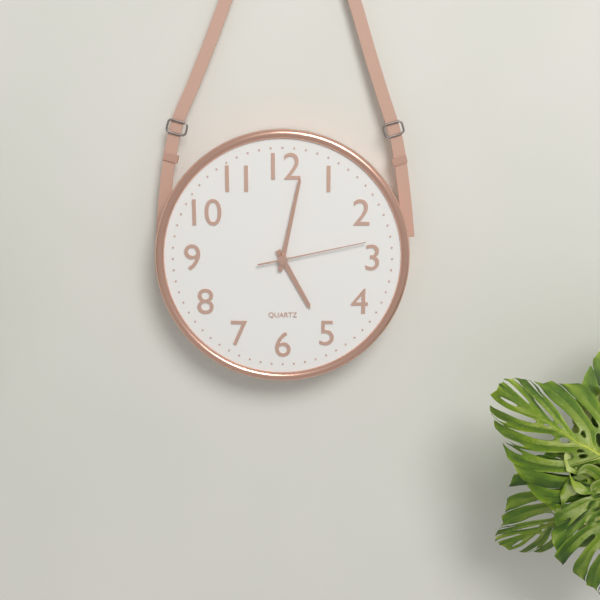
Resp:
**5:02:13**
